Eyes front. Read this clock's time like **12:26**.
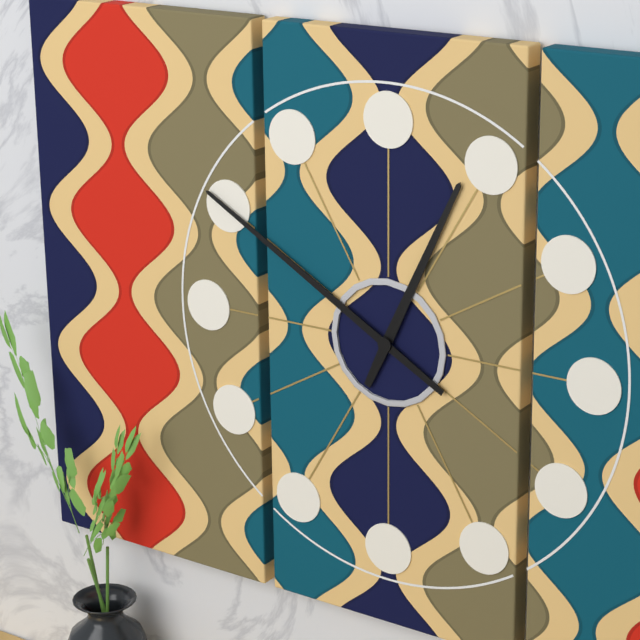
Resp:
**12:50**
